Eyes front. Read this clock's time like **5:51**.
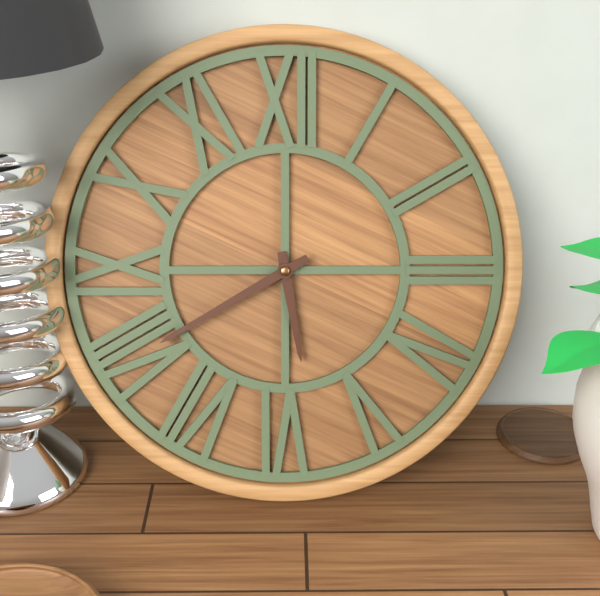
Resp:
**5:40**
